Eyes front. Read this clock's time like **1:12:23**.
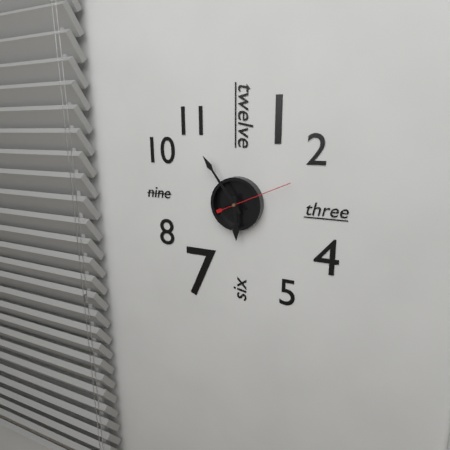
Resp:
**5:54:11**
